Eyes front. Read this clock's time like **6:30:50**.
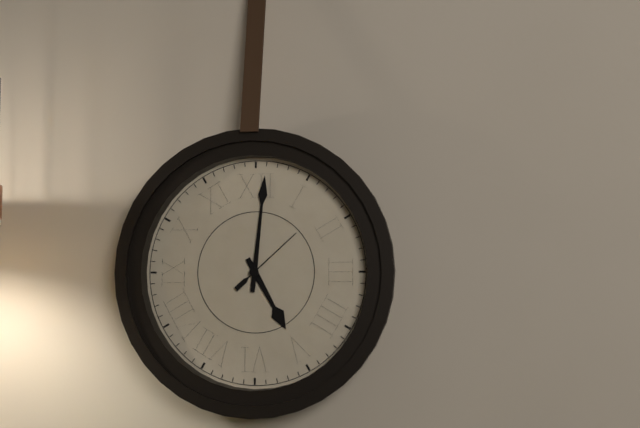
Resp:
**5:01:08**
